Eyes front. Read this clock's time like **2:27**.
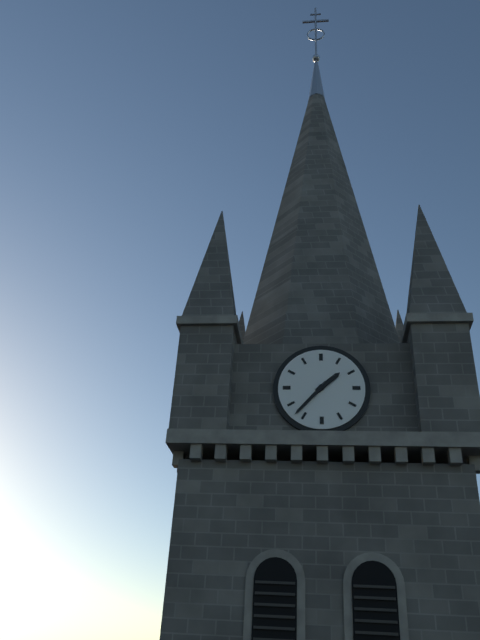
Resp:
**1:37**
